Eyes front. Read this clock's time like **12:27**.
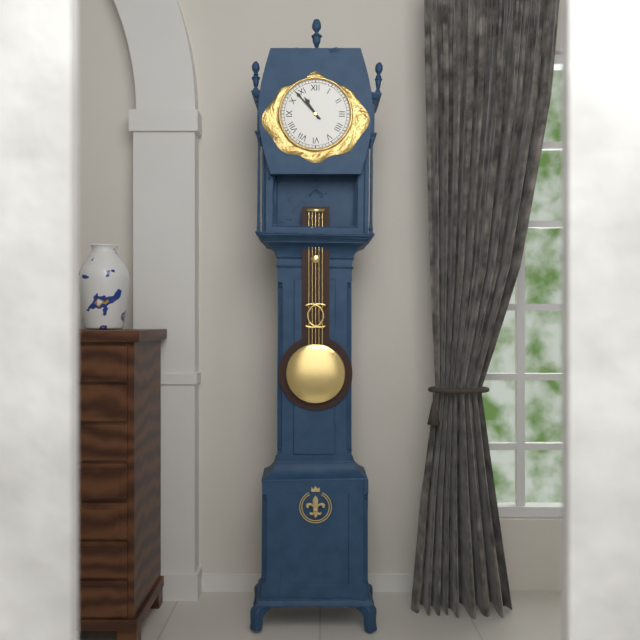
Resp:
**10:53**
